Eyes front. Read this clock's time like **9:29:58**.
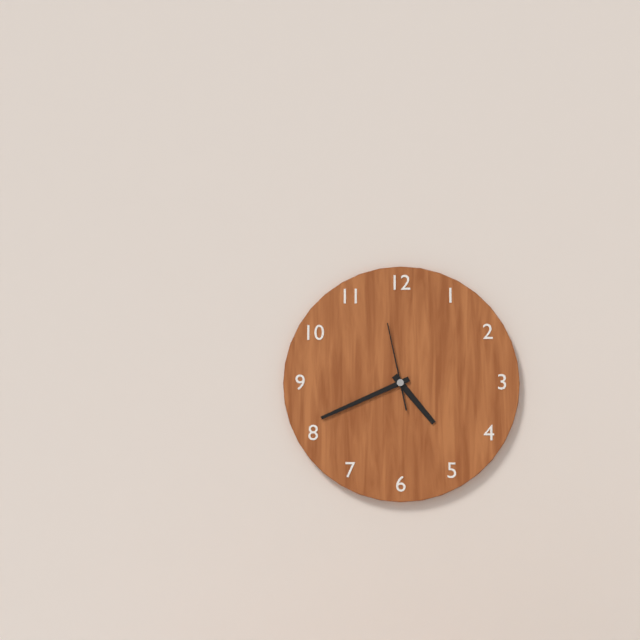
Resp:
**4:41:58**
